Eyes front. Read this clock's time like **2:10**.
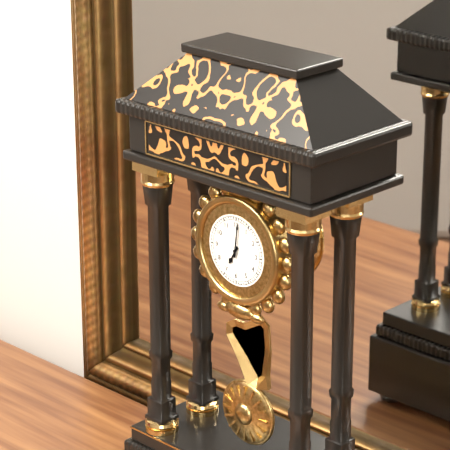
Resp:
**7:01**
